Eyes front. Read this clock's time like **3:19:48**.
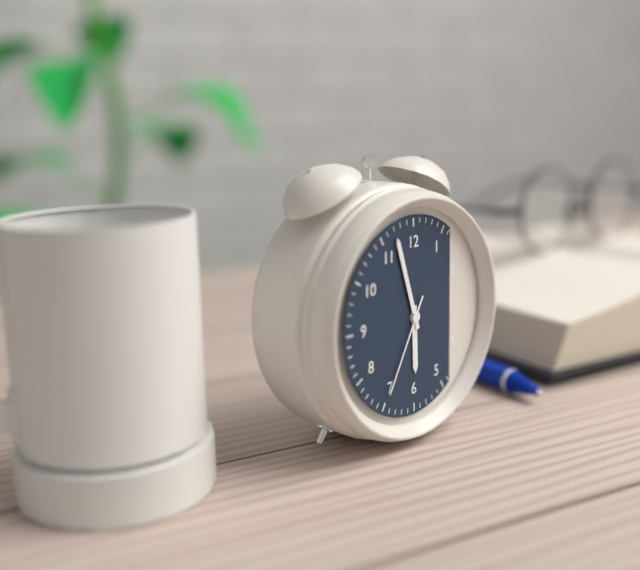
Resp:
**5:57:35**
